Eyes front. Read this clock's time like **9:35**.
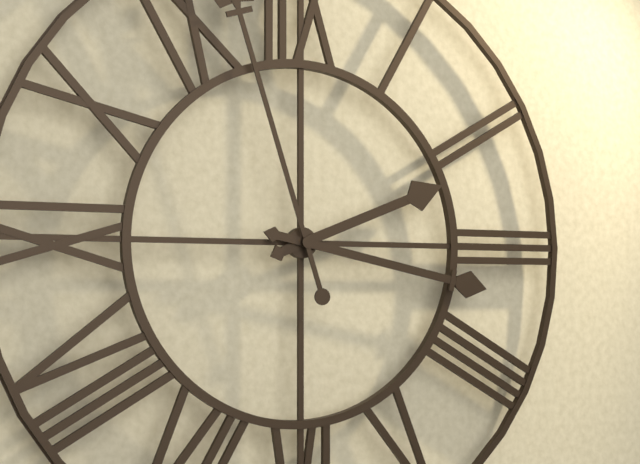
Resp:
**2:17**
